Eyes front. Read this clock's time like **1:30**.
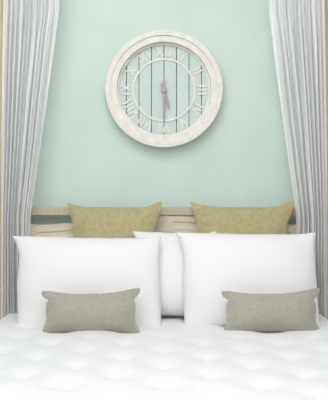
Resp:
**5:30**
